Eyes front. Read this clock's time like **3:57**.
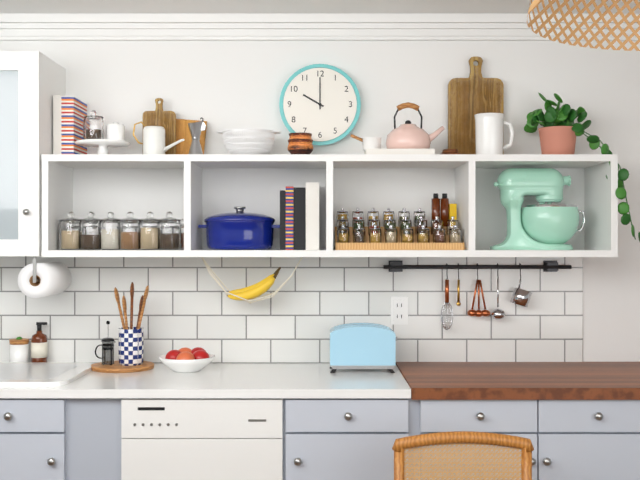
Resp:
**10:00**
